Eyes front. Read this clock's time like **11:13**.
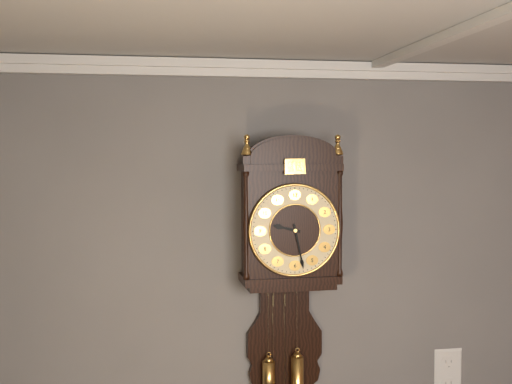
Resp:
**9:28**
